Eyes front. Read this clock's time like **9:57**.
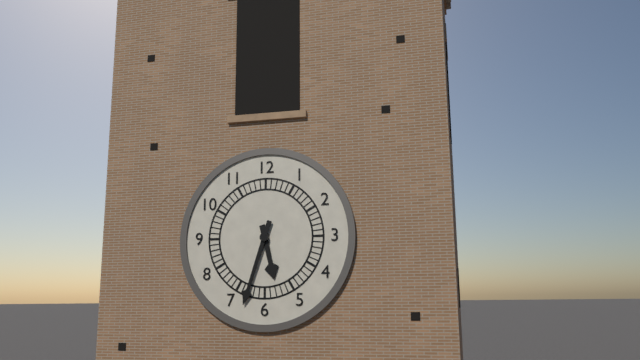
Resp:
**5:33**
